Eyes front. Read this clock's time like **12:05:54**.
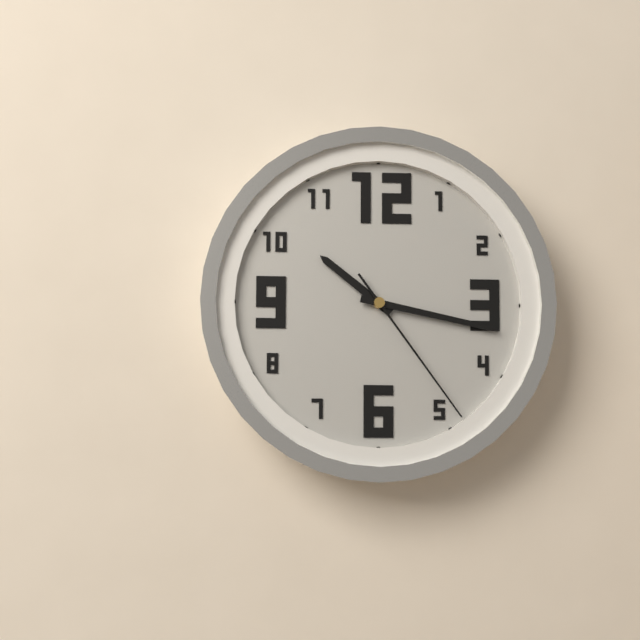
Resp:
**10:17:24**
